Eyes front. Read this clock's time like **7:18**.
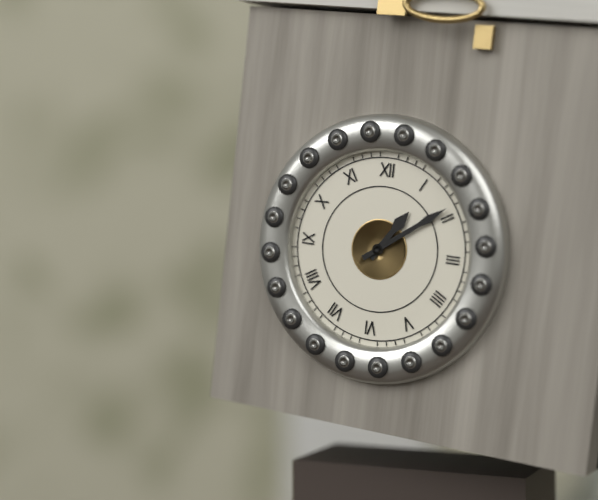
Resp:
**1:09**
